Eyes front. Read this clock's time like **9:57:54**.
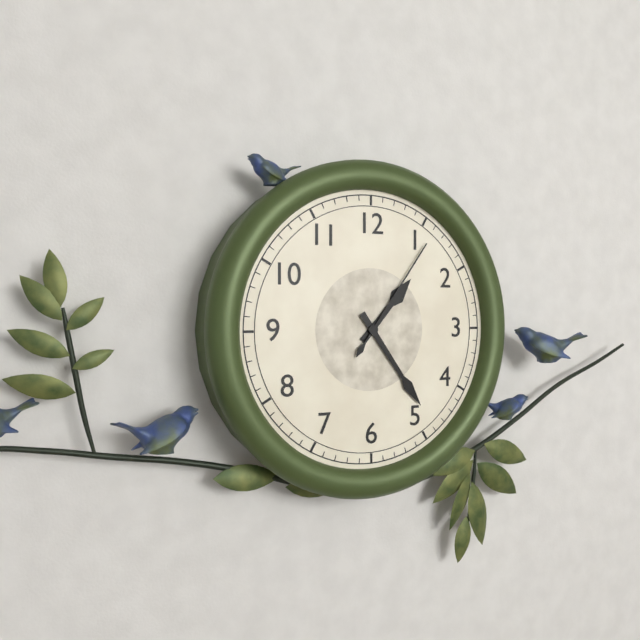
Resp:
**1:24:06**
